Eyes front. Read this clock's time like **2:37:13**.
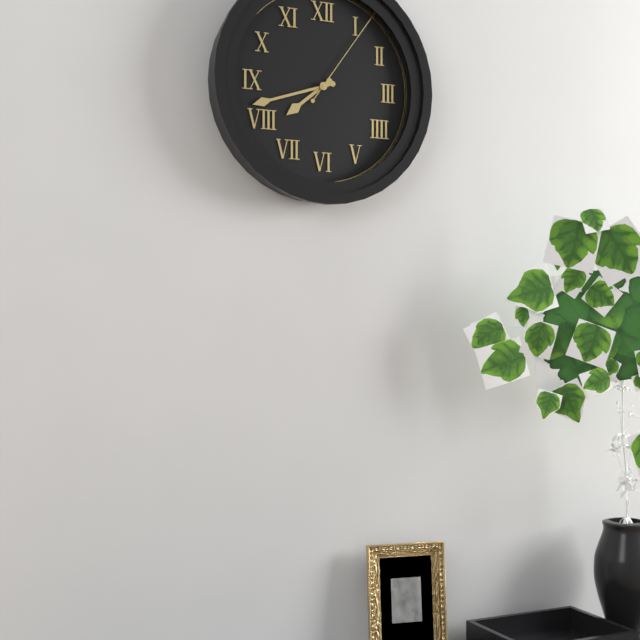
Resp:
**7:42:06**
